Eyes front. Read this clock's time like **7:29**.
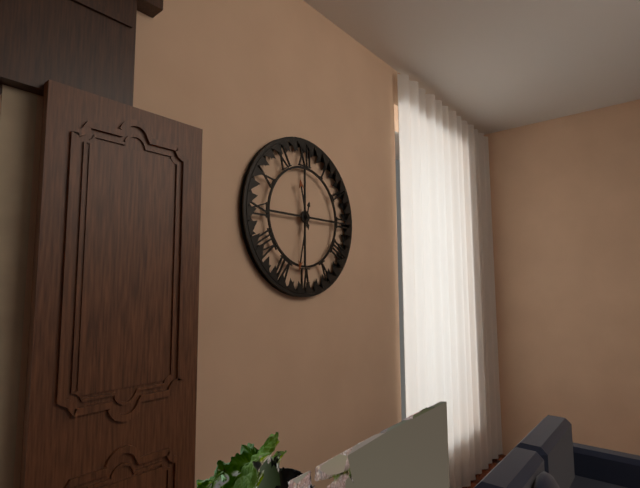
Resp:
**11:32**
